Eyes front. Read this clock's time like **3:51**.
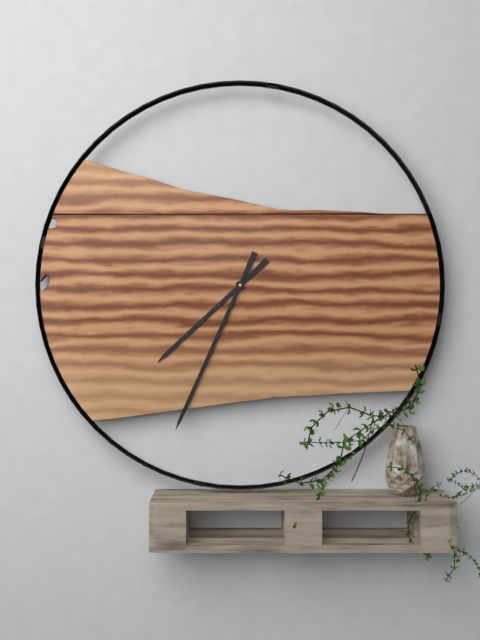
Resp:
**7:34**
